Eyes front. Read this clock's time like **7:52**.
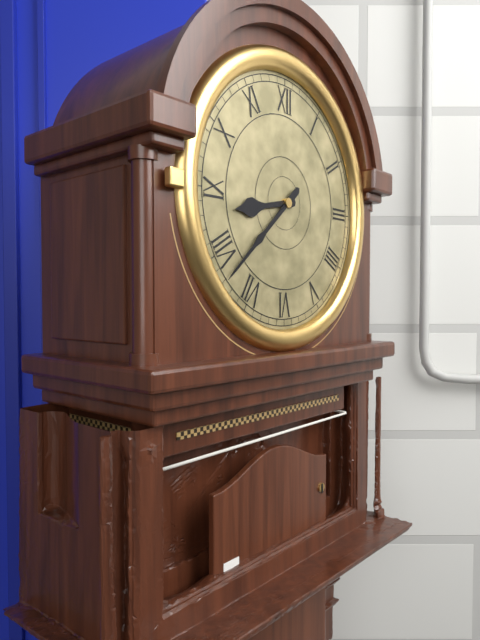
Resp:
**8:38**
